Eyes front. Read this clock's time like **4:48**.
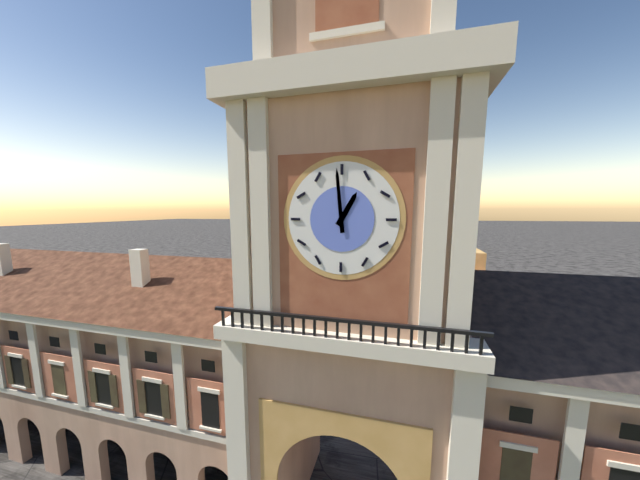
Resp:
**12:59**
